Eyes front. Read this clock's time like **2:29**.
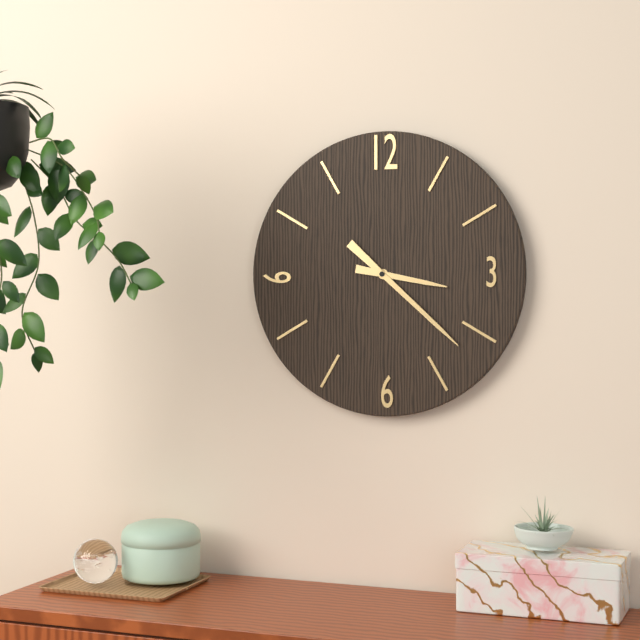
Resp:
**3:22**
